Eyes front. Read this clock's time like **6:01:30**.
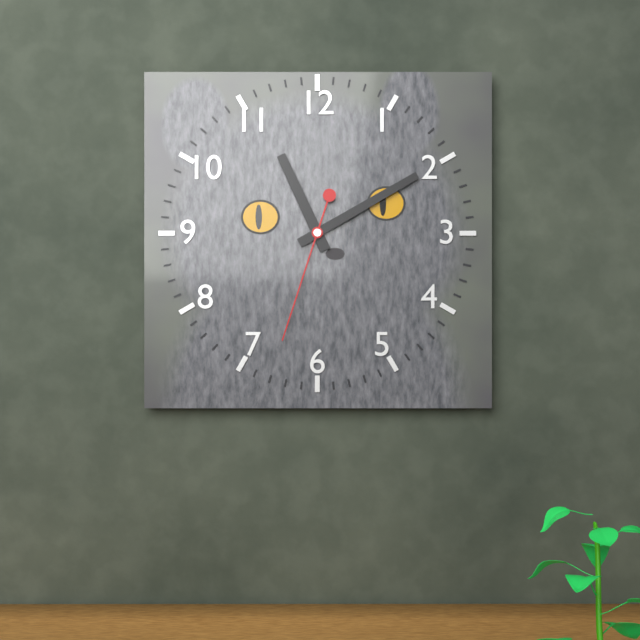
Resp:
**11:10:33**
